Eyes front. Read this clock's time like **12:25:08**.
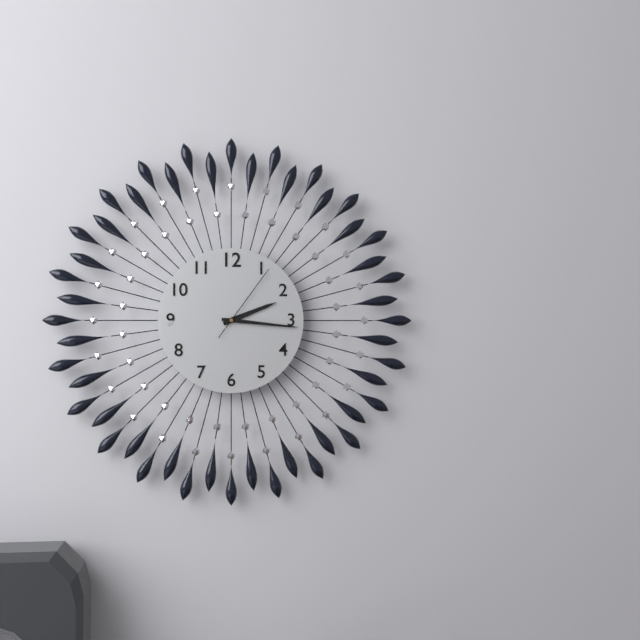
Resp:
**2:16:06**
